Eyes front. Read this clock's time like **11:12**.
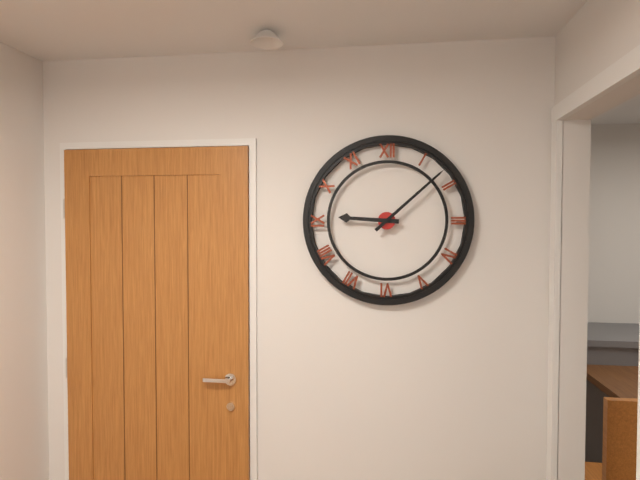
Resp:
**9:08**
